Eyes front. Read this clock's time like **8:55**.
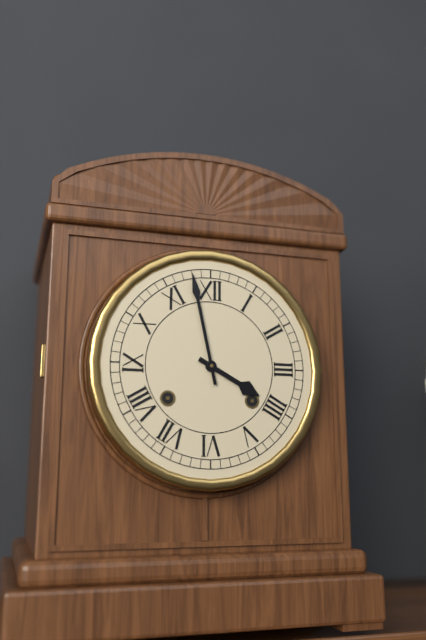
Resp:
**3:58**
